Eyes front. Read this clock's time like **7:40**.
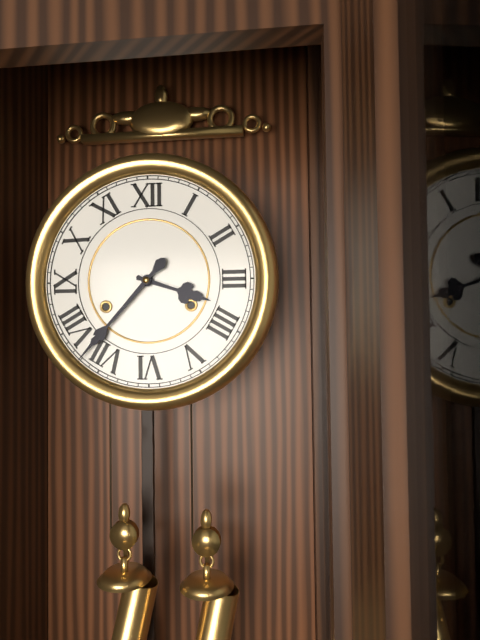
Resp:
**3:37**
